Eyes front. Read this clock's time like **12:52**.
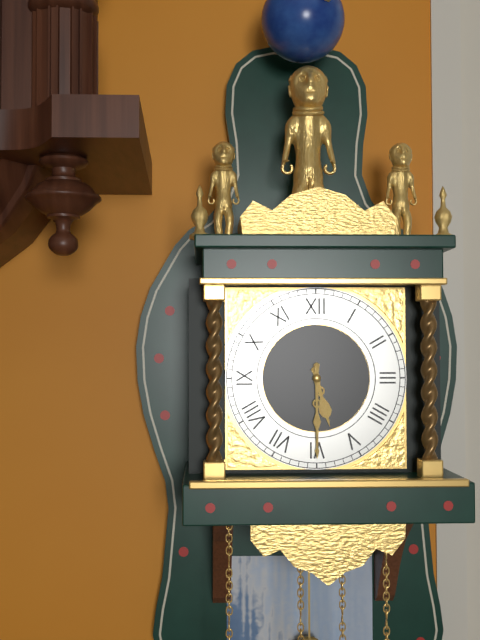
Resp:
**5:30**
